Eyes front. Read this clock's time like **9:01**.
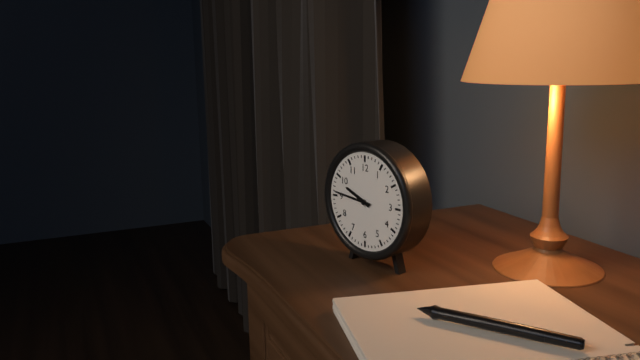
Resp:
**9:46**
